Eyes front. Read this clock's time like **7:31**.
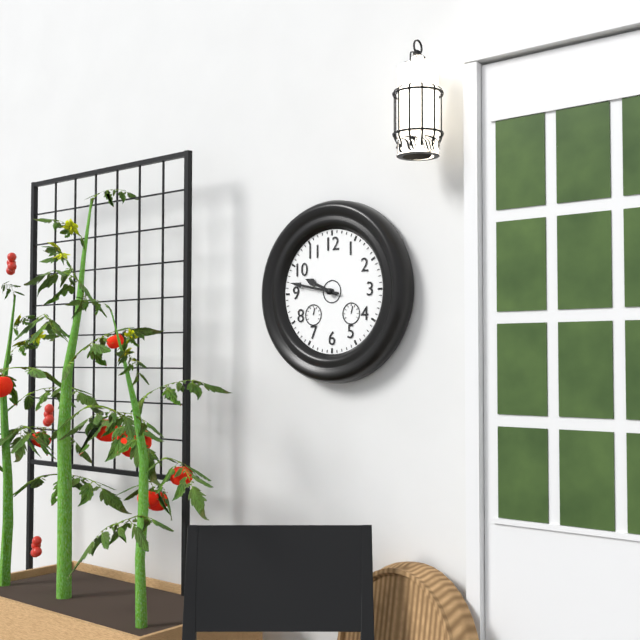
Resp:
**9:47**
